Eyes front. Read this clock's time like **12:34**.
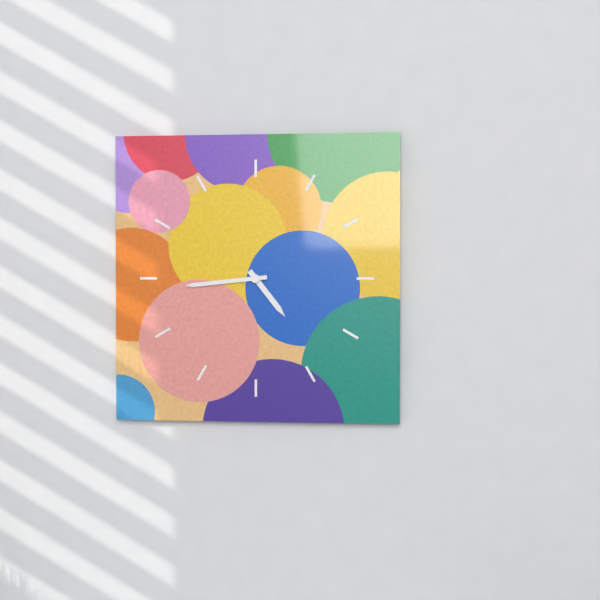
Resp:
**4:44**
